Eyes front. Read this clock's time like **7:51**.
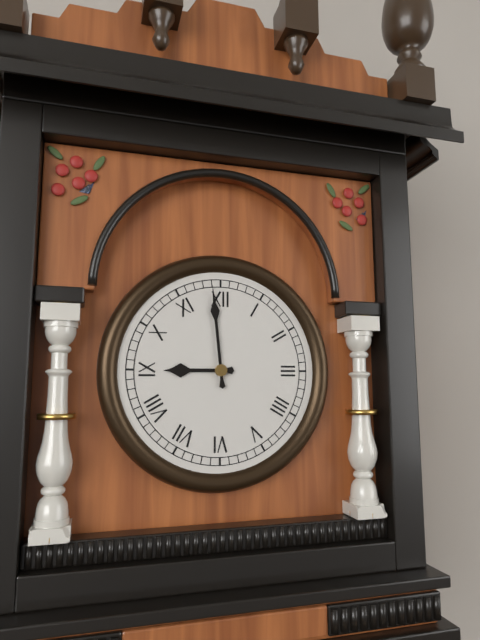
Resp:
**8:59**
